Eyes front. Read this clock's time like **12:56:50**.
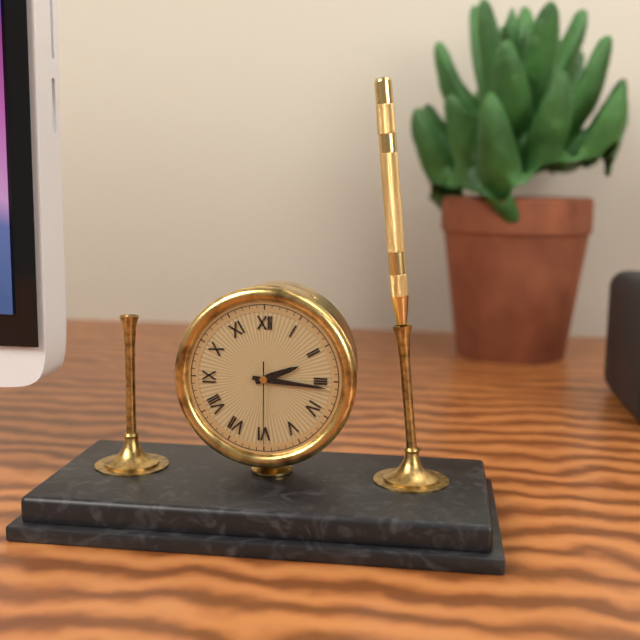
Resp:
**2:16:30**
